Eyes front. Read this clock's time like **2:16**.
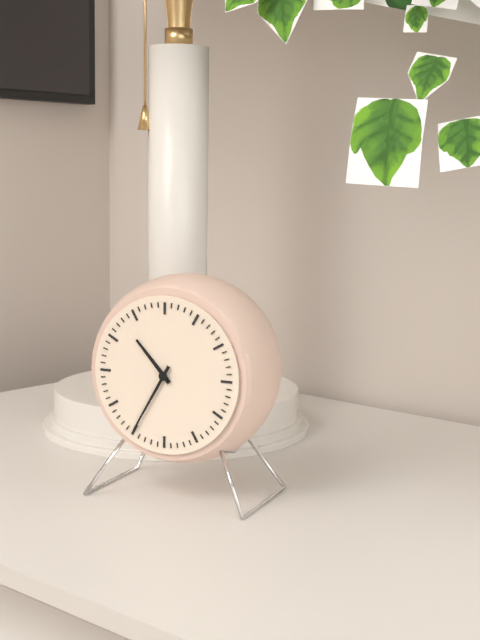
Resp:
**10:35**
